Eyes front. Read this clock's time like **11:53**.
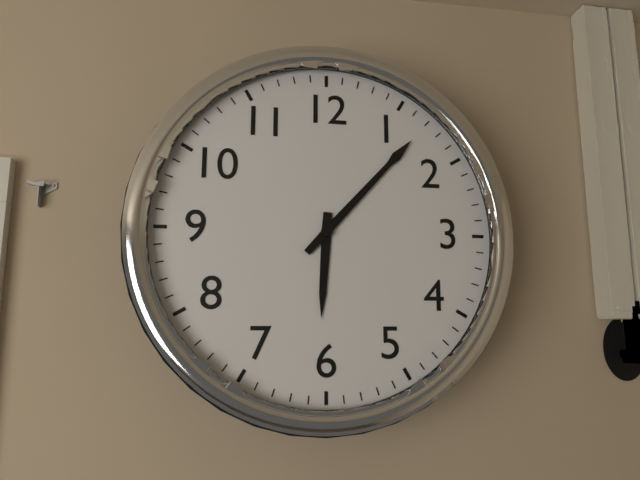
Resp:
**6:07**
